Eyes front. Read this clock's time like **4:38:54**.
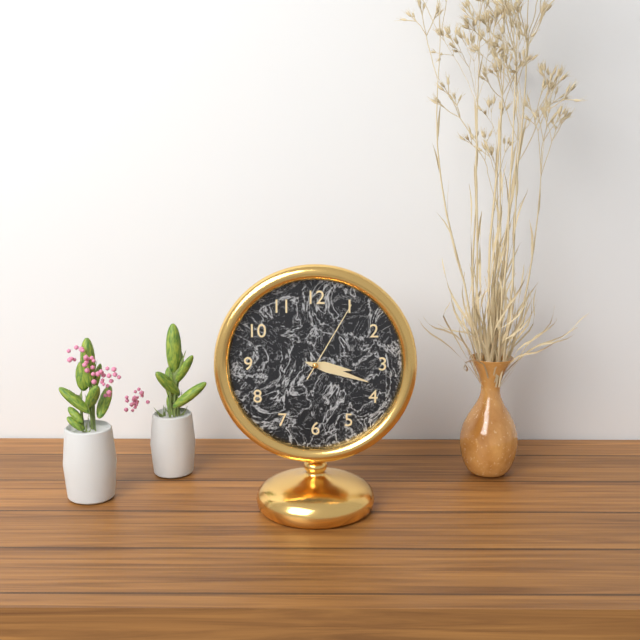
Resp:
**3:18:05**
